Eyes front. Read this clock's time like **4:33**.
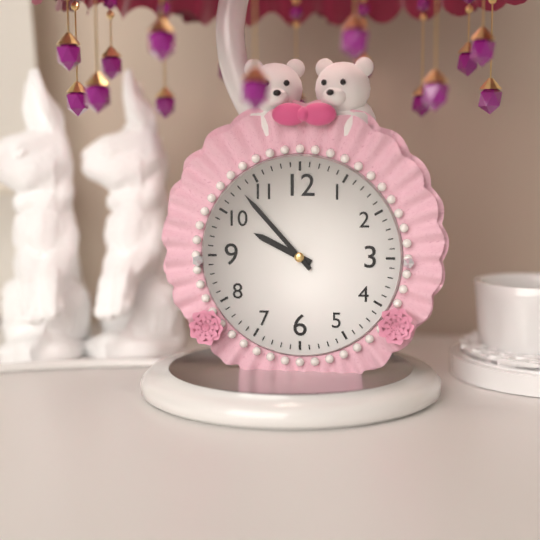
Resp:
**9:53**
